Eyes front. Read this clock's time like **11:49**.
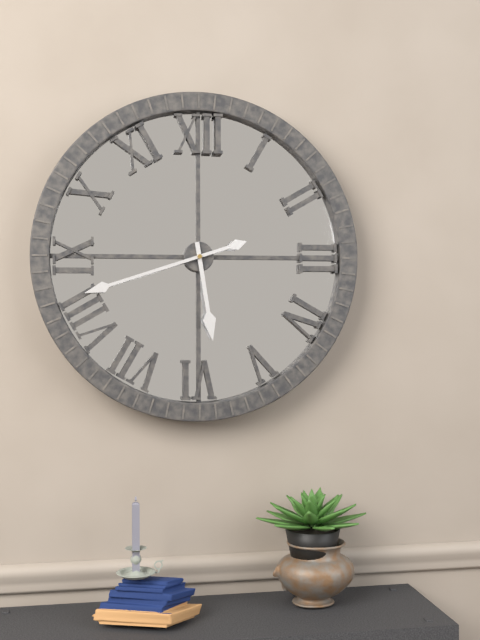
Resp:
**5:42**
